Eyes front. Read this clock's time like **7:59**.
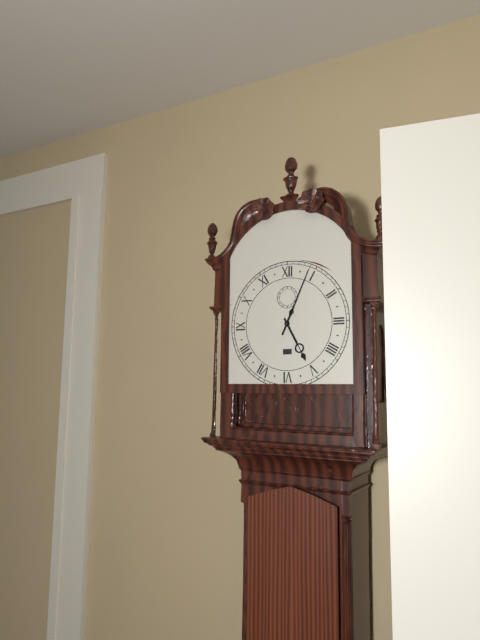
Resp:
**5:04**
